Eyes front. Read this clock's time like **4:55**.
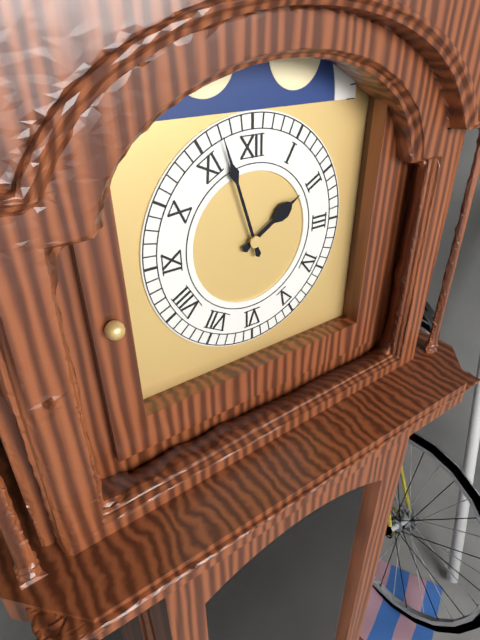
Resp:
**1:57**
